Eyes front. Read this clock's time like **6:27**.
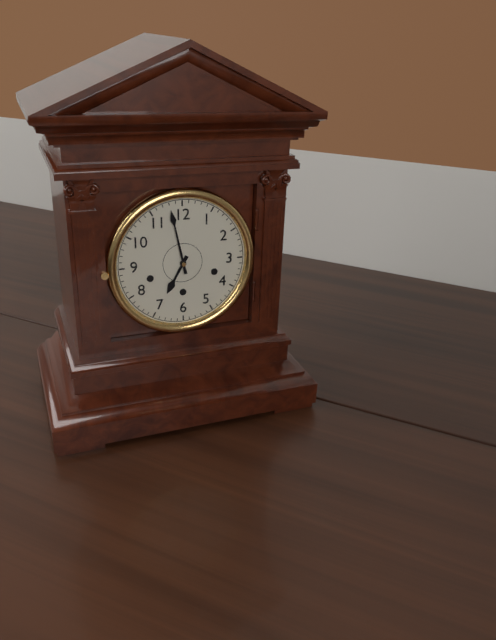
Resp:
**6:58**
